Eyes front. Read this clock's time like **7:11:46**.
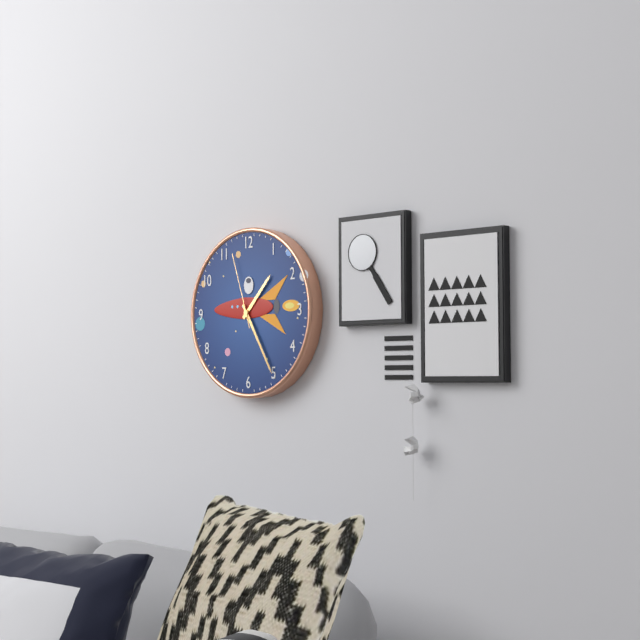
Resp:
**1:25:57**
